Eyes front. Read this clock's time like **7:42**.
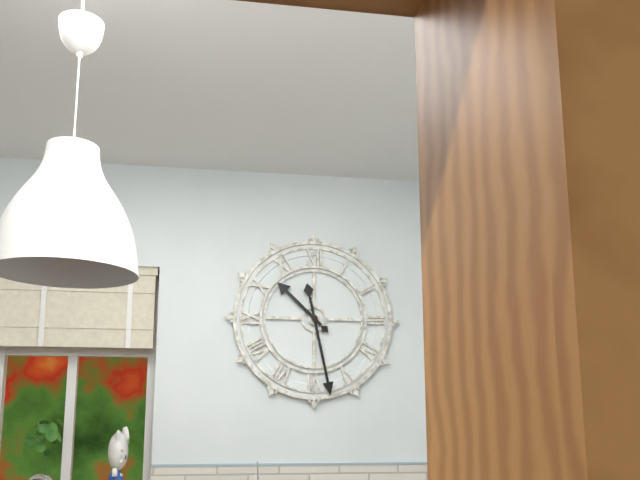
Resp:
**10:28**
